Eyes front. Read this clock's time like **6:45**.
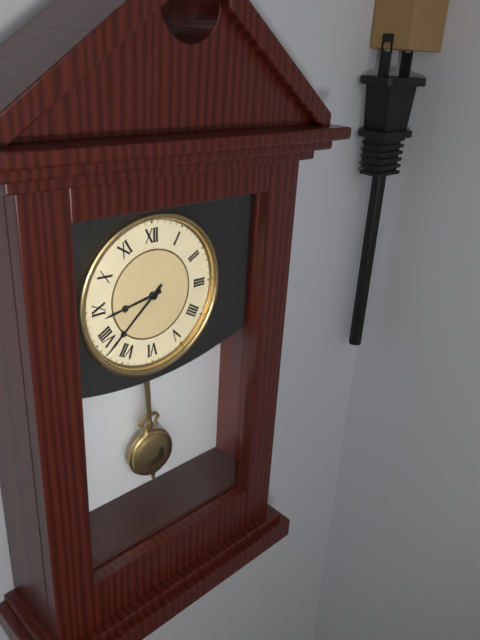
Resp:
**8:38**
